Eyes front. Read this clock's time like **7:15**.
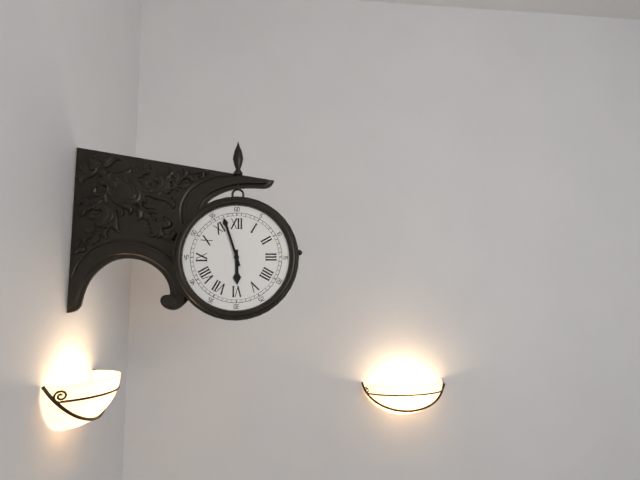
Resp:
**5:57**
